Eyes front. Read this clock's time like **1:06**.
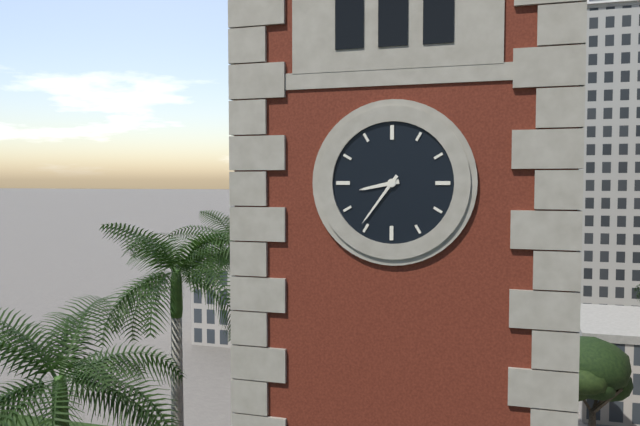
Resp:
**8:36**
